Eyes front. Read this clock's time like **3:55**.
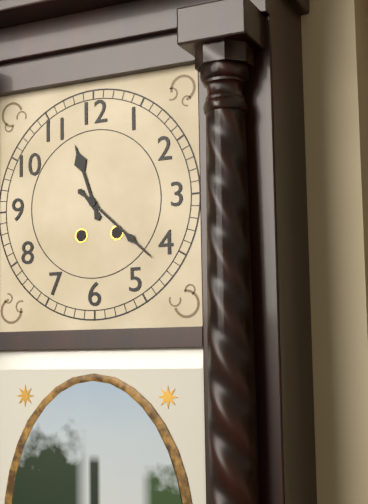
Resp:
**11:22**
